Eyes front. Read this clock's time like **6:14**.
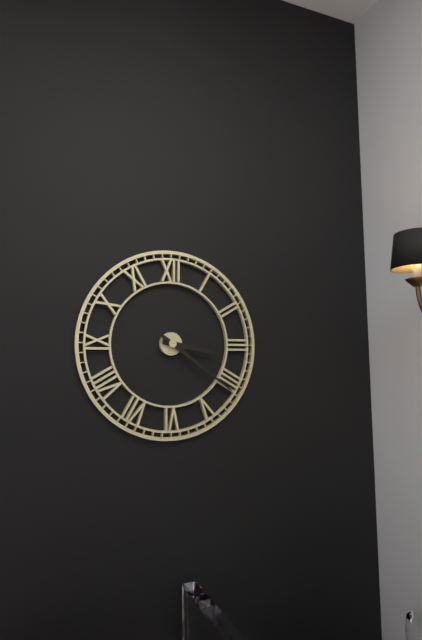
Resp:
**3:21**
